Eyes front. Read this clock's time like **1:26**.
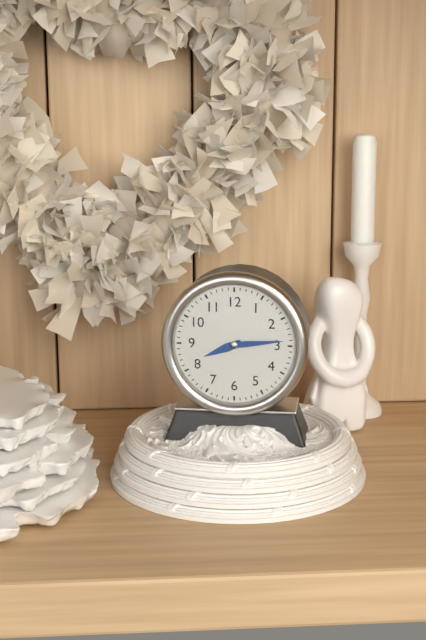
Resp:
**8:14**
